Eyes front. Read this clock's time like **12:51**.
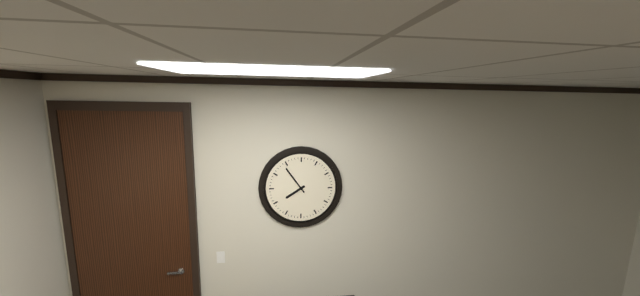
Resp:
**7:54**
